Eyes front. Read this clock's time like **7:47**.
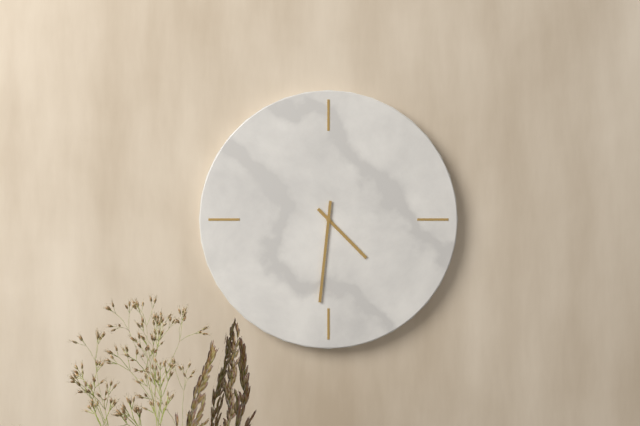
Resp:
**4:31**
